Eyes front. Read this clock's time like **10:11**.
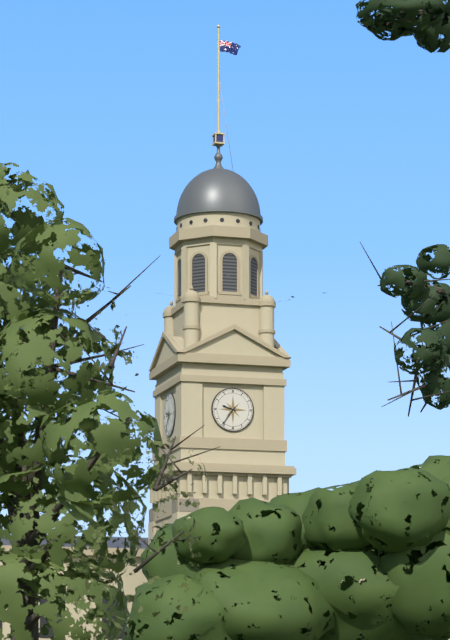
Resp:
**9:36**
